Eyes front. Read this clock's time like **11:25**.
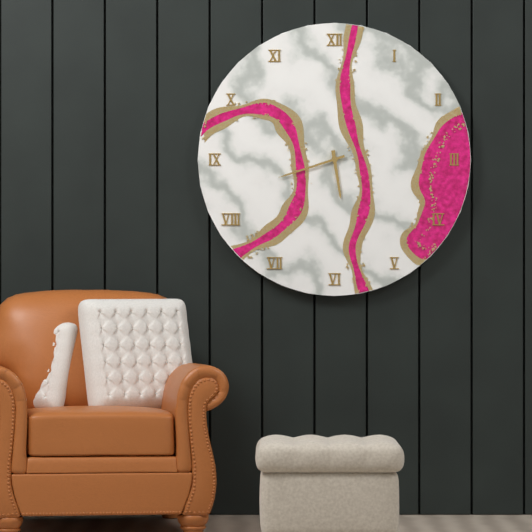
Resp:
**5:42**
